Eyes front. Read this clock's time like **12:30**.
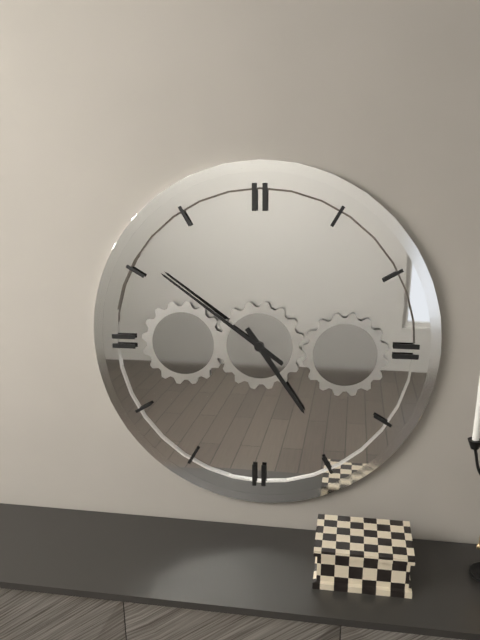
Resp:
**4:51**
